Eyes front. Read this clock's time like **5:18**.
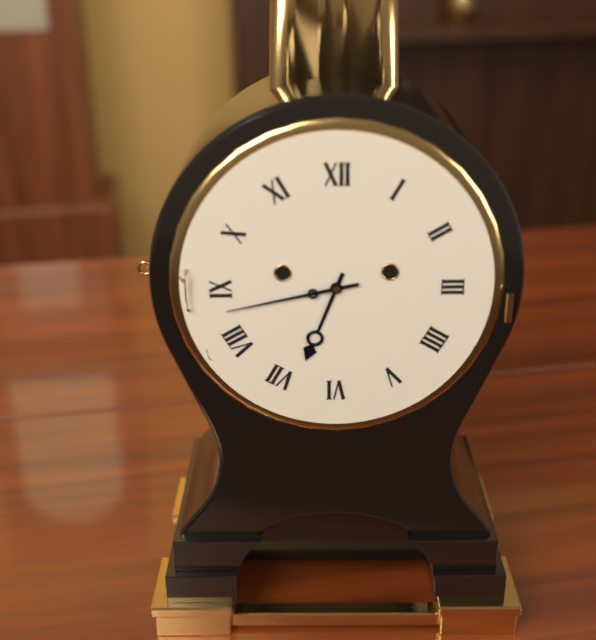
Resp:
**6:43**
